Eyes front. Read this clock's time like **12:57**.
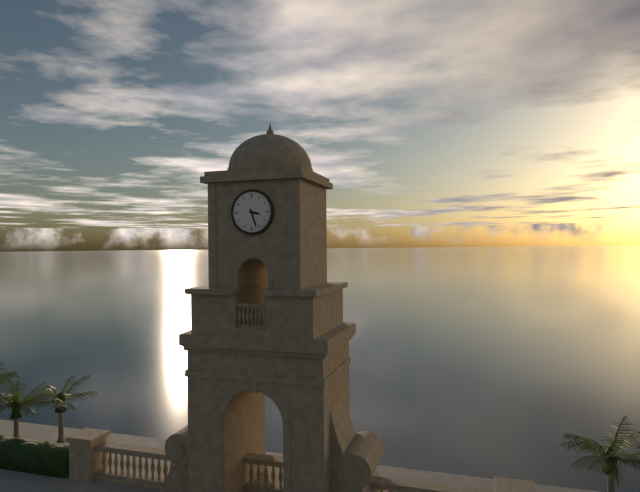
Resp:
**3:27**
